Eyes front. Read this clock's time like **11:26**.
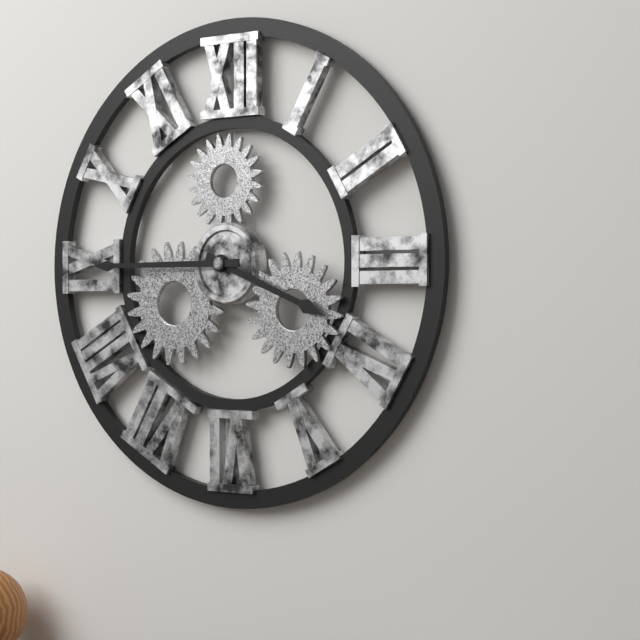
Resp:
**3:45**
